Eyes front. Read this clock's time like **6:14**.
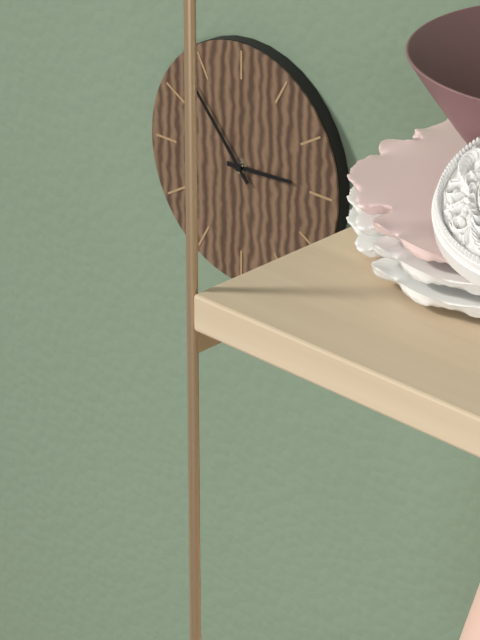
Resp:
**2:53**
